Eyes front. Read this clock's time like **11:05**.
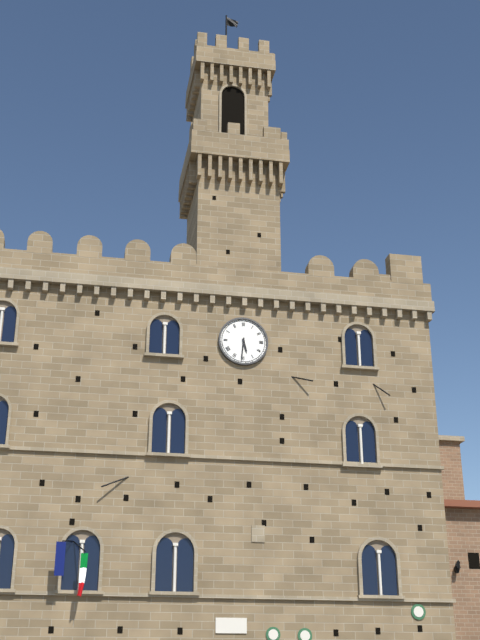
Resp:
**5:31**
